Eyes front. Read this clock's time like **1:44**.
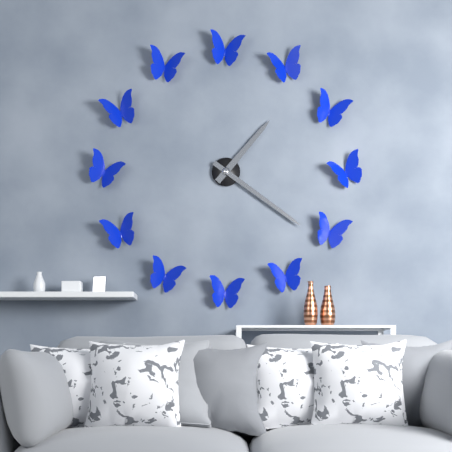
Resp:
**1:21**
